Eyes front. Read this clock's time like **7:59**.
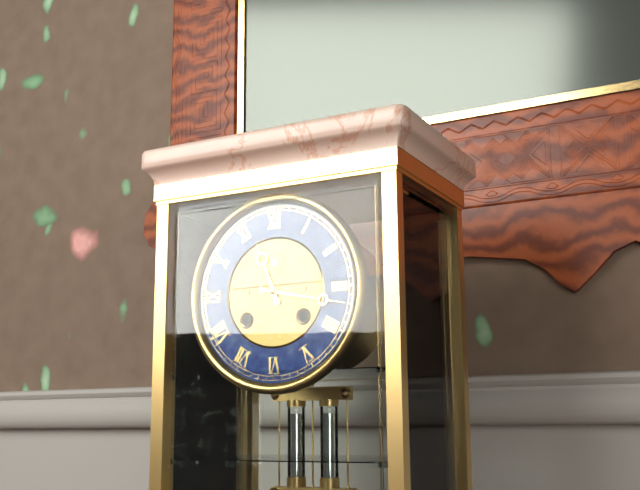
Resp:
**11:17**
